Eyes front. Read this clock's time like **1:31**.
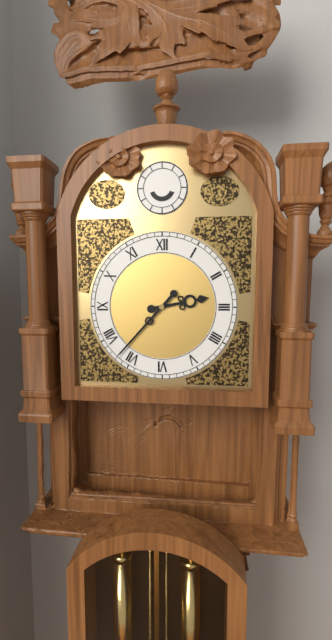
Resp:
**2:37**
